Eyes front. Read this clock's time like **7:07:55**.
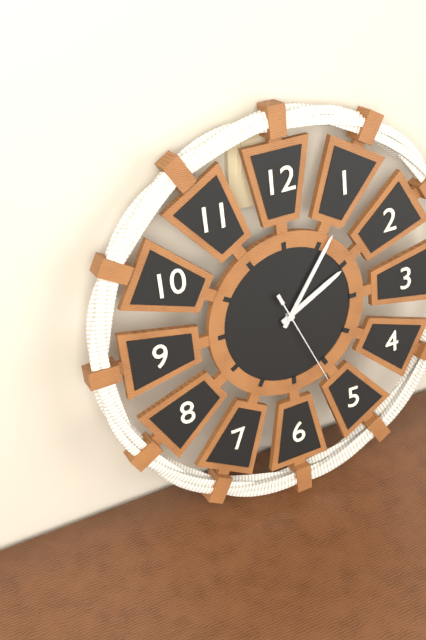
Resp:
**2:06:26**
